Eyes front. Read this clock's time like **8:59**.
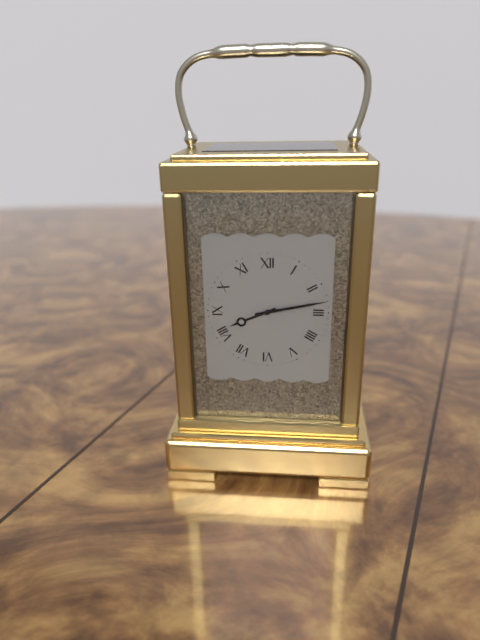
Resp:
**8:13**
